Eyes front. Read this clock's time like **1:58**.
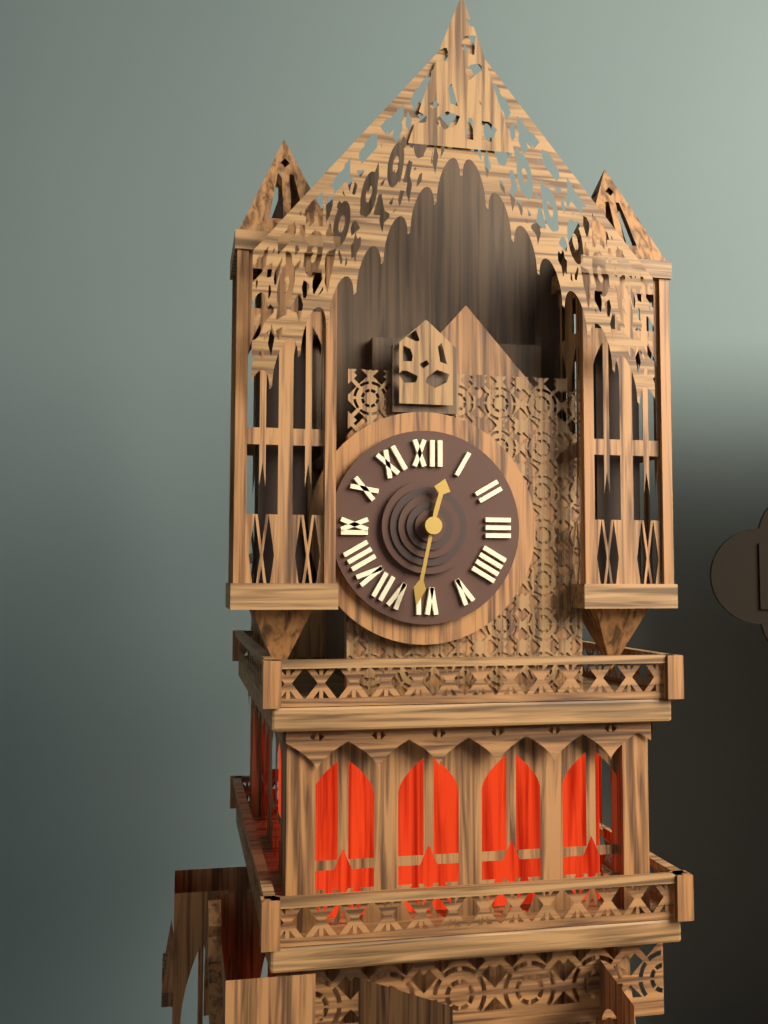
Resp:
**12:32**
